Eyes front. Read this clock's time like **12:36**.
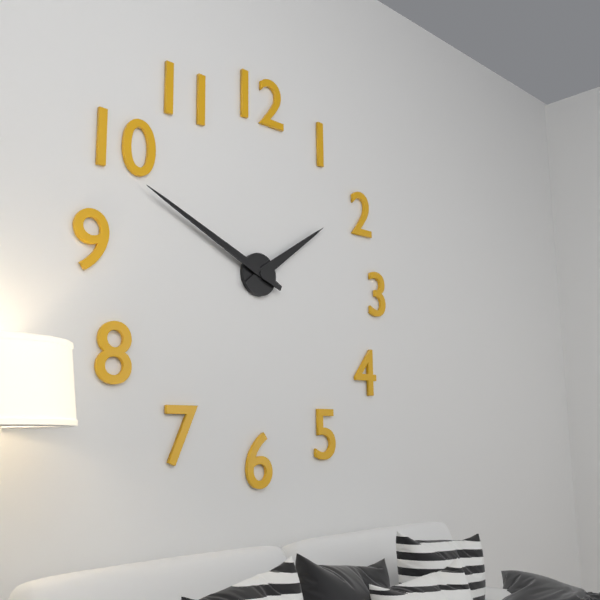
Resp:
**1:49**
